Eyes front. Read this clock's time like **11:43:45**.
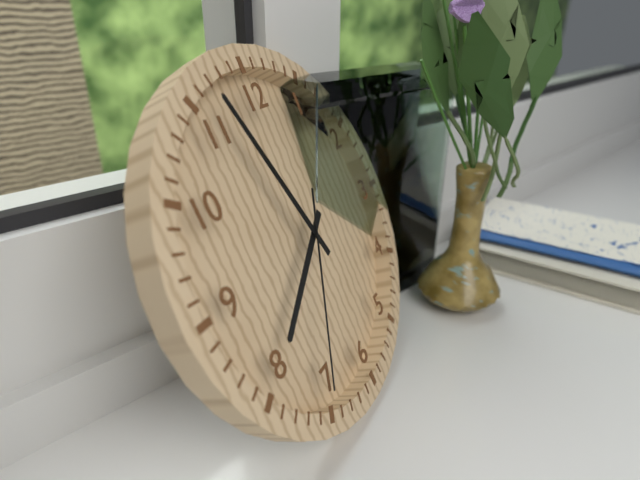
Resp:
**7:57:35**
